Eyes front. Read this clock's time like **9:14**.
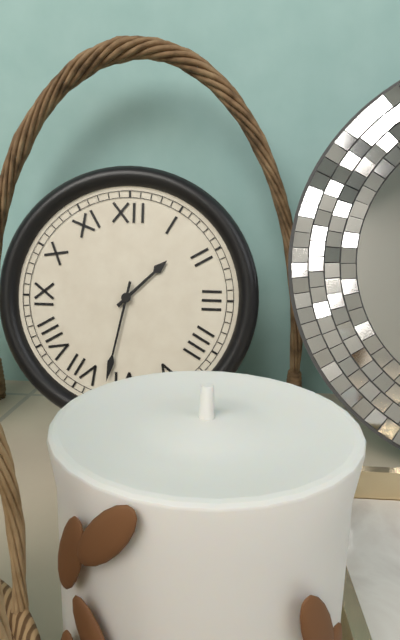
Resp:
**1:32**
